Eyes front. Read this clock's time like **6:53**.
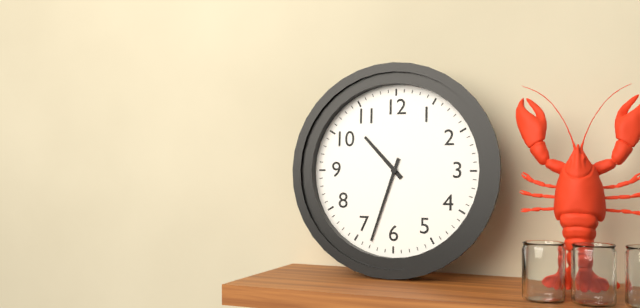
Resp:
**10:33**
